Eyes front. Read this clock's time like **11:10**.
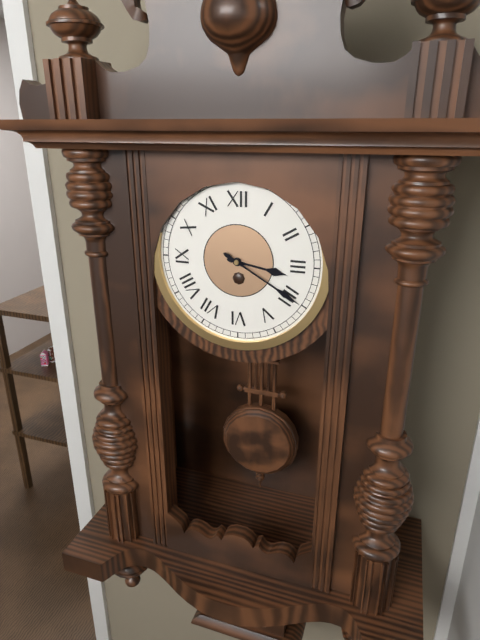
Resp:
**3:20**
